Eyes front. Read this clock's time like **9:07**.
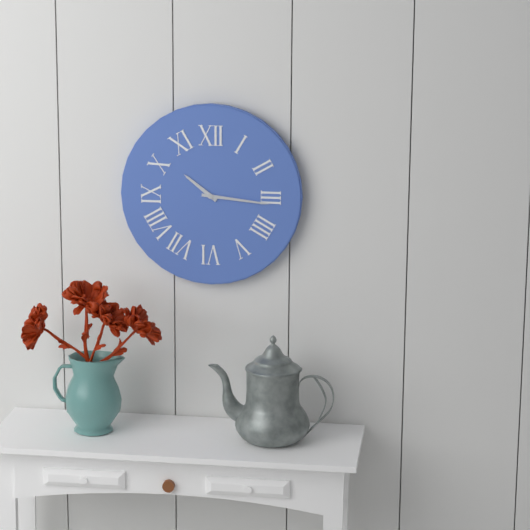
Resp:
**10:16**
